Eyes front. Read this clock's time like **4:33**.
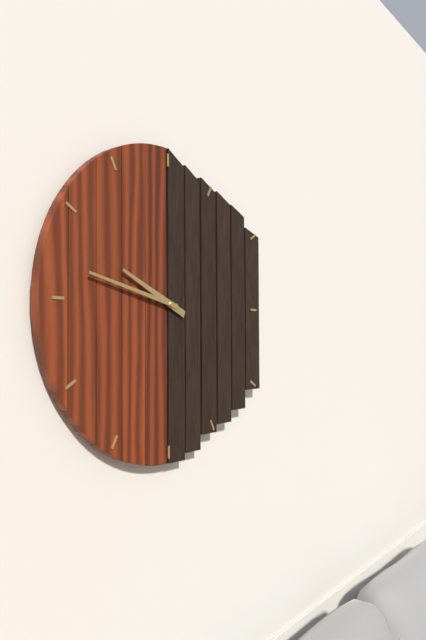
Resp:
**9:47**
